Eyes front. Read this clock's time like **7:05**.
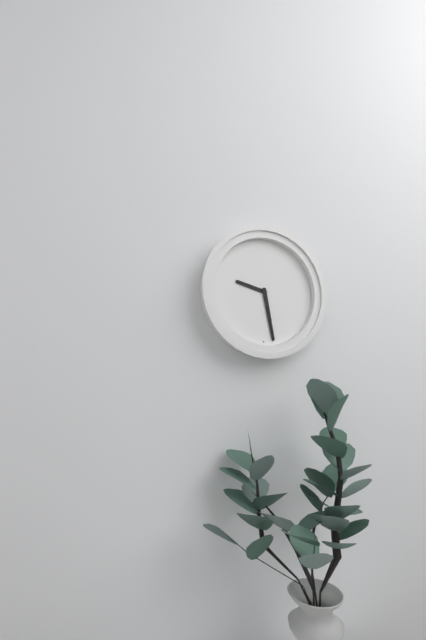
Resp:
**9:28**
